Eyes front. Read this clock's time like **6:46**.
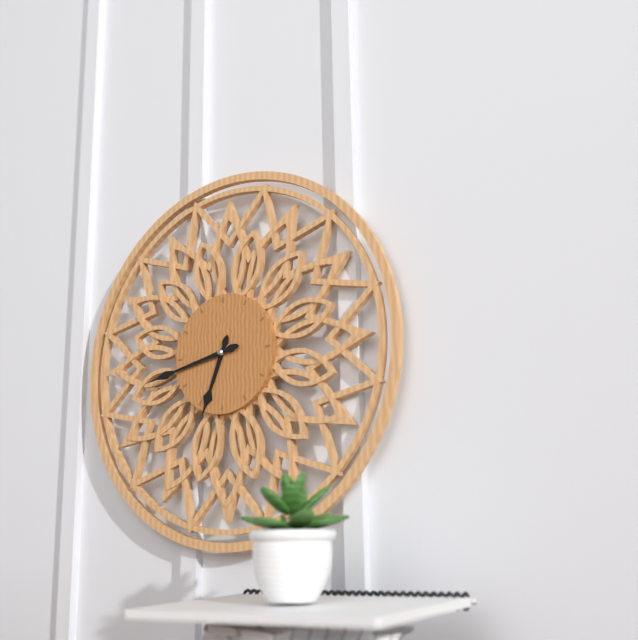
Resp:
**6:43**
